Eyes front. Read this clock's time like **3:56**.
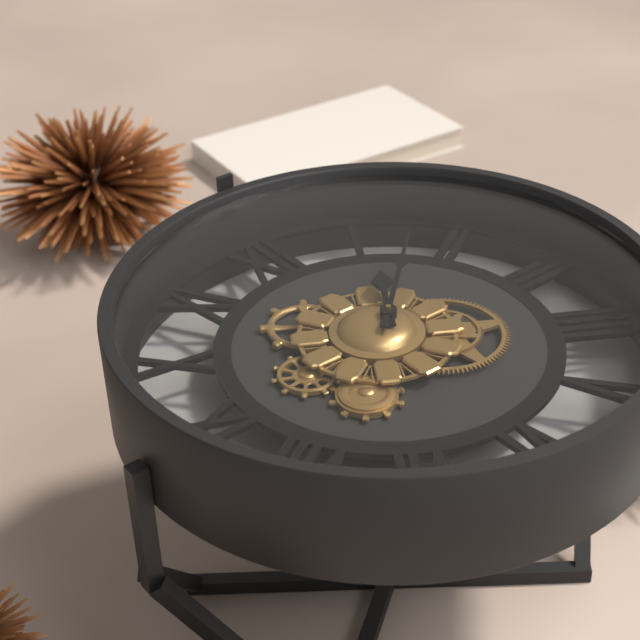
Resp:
**1:08**
